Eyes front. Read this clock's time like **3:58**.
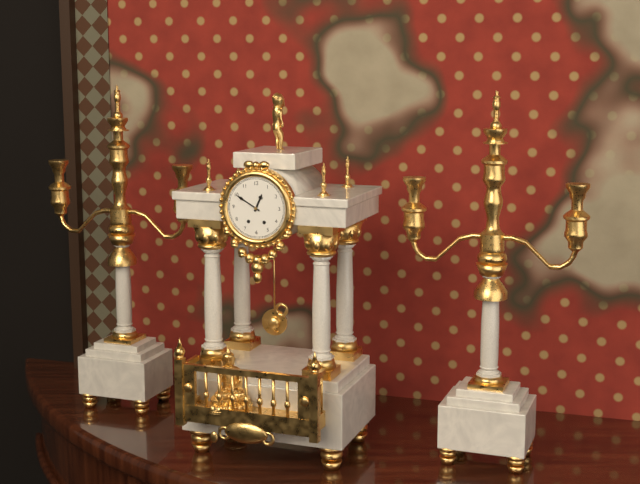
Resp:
**12:50**
